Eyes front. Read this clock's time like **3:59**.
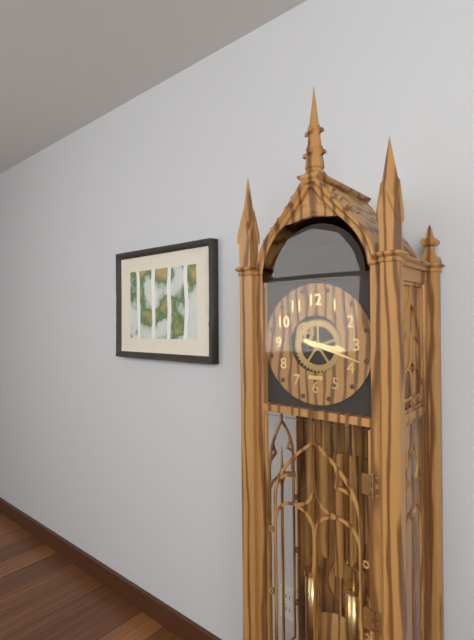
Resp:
**3:18**
